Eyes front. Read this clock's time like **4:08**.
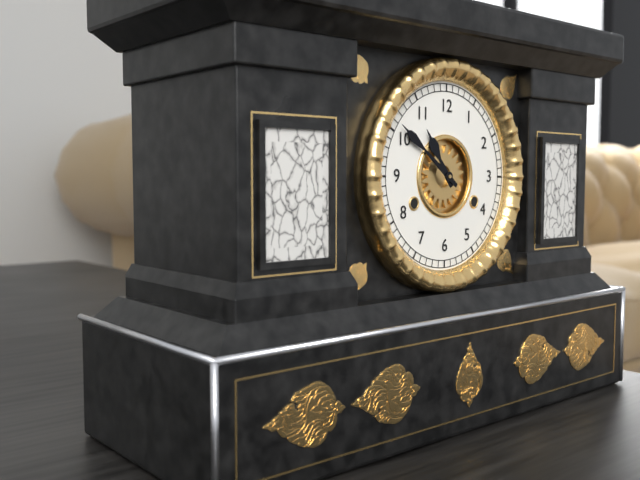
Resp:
**10:51**
